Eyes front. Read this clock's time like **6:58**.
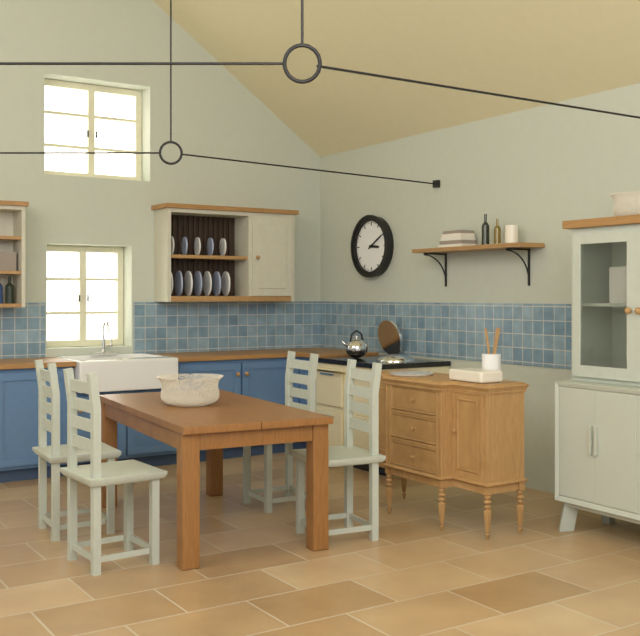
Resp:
**3:10**
